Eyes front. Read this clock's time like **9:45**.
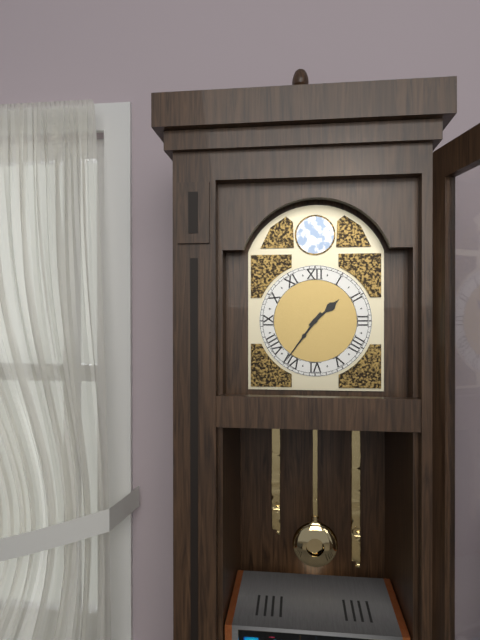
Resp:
**1:36**
